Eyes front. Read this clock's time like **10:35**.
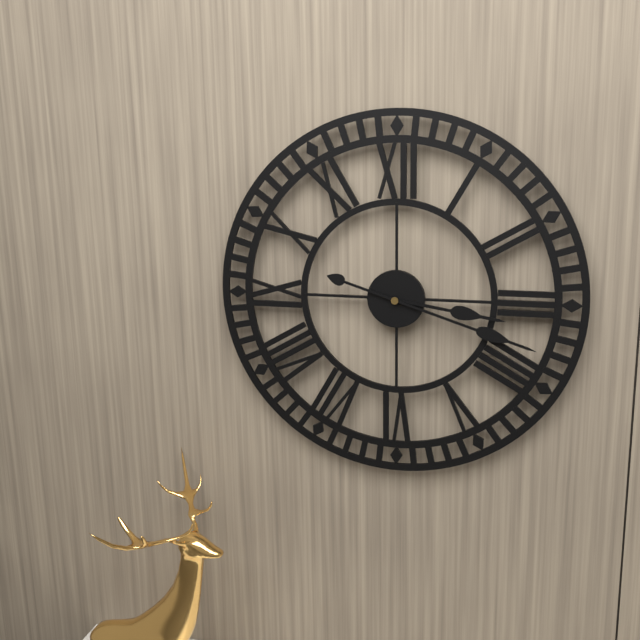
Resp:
**3:18**
